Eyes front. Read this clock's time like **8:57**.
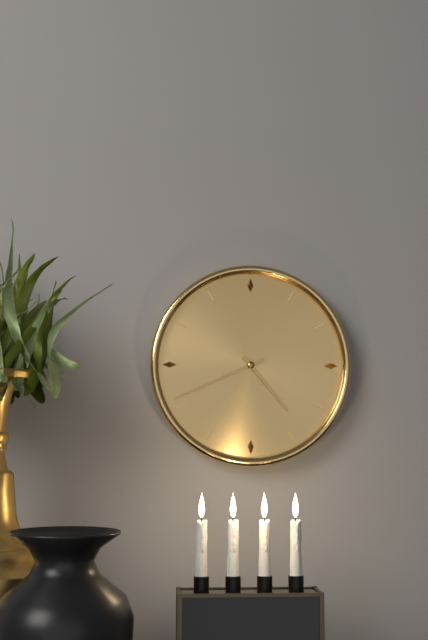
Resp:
**4:41**
